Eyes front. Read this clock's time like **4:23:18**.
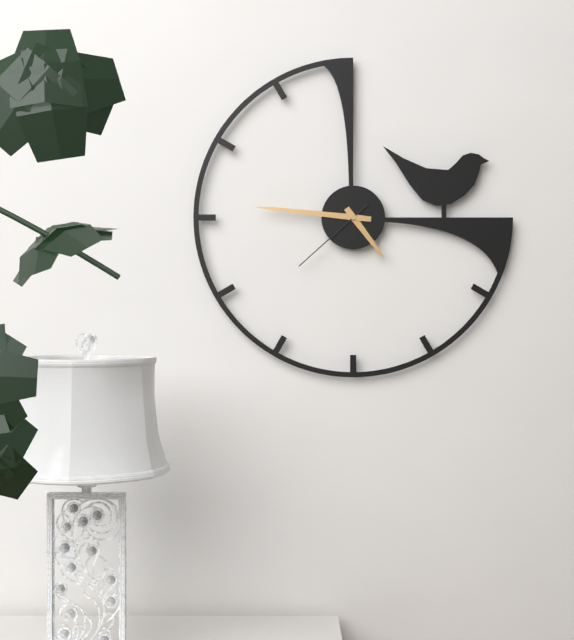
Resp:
**4:46:38**
